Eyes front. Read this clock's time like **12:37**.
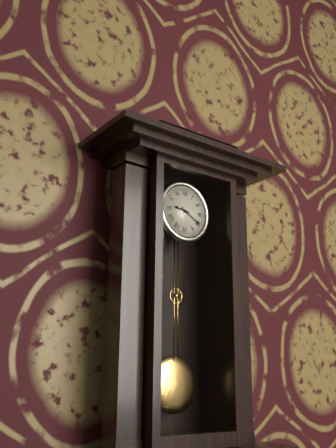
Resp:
**9:20**
